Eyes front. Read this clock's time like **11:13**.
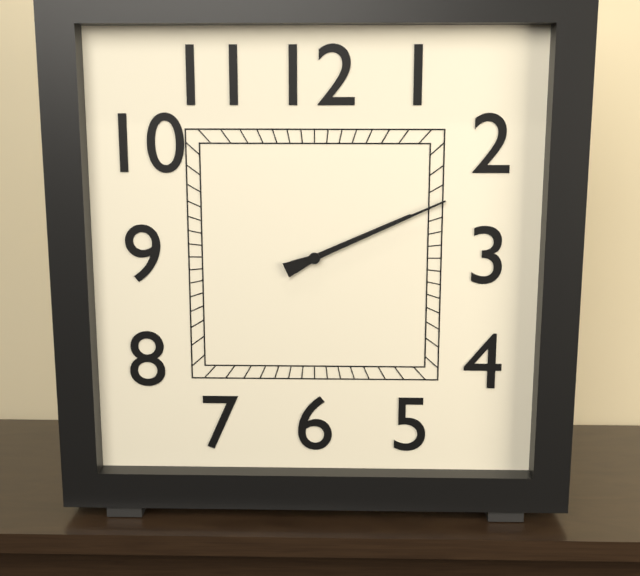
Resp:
**2:11**
